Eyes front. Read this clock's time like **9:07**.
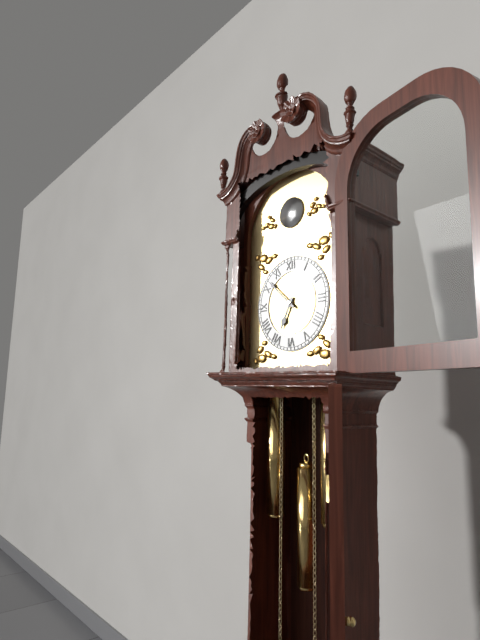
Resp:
**6:52**
